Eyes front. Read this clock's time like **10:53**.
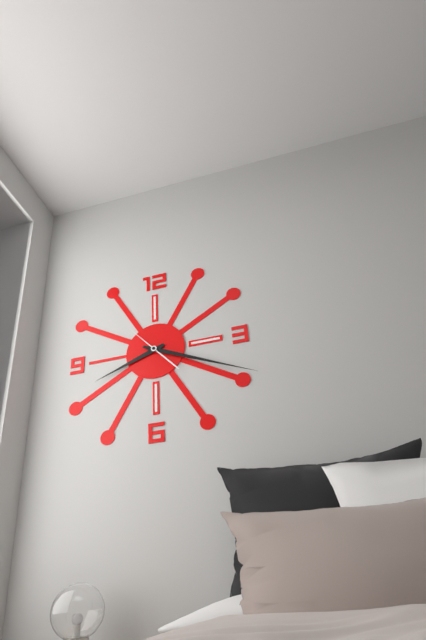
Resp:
**8:19**
